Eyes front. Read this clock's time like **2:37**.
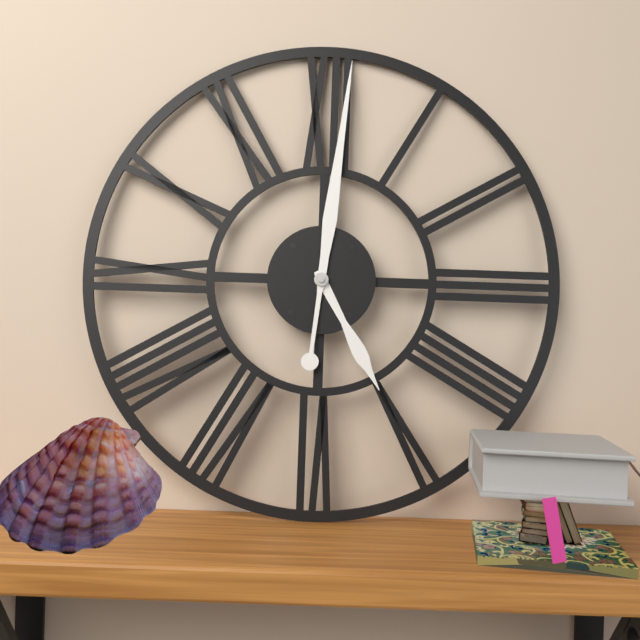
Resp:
**5:01**
